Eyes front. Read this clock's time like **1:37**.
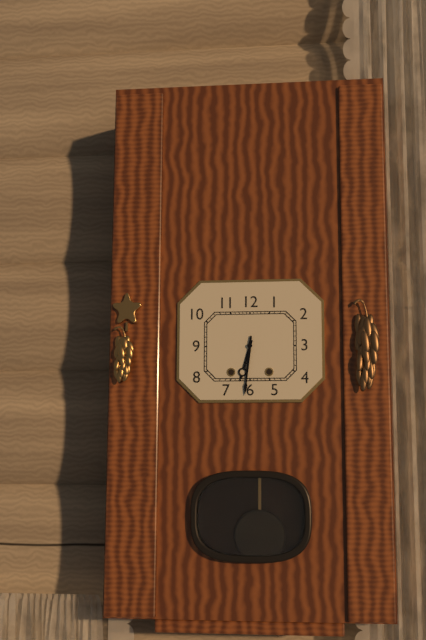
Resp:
**6:31**
